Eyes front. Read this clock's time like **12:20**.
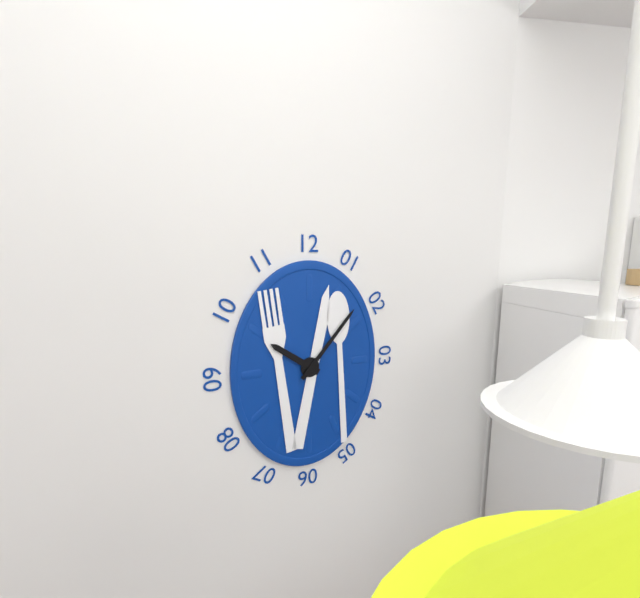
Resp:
**10:07**
